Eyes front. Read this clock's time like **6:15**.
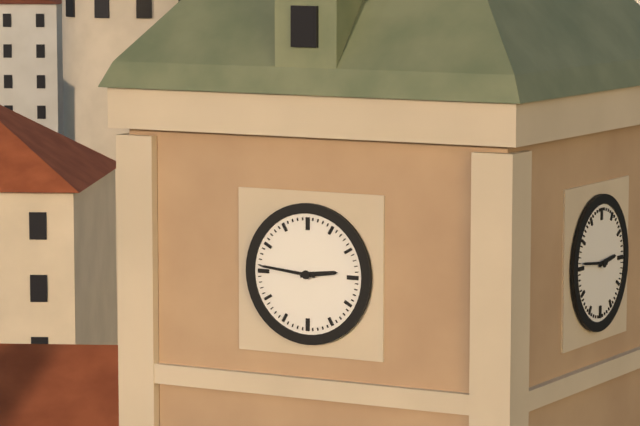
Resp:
**2:46**
